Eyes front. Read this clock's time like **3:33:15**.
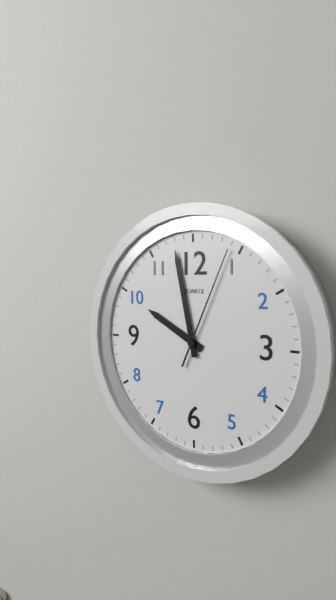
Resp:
**9:58:04**
